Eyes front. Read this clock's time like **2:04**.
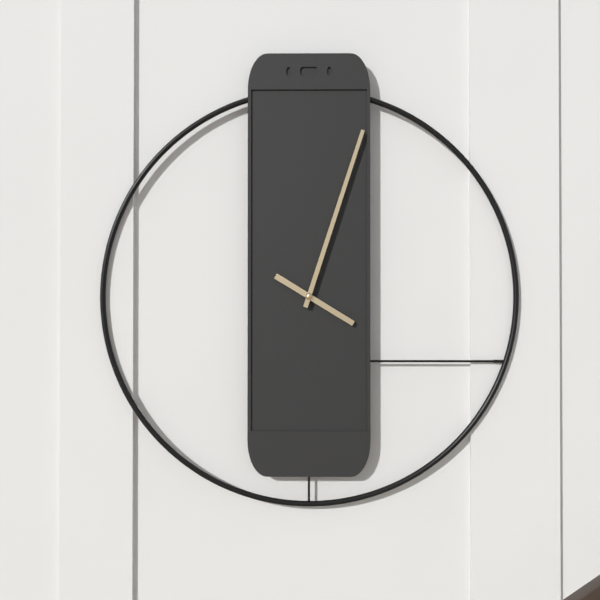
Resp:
**4:03**
